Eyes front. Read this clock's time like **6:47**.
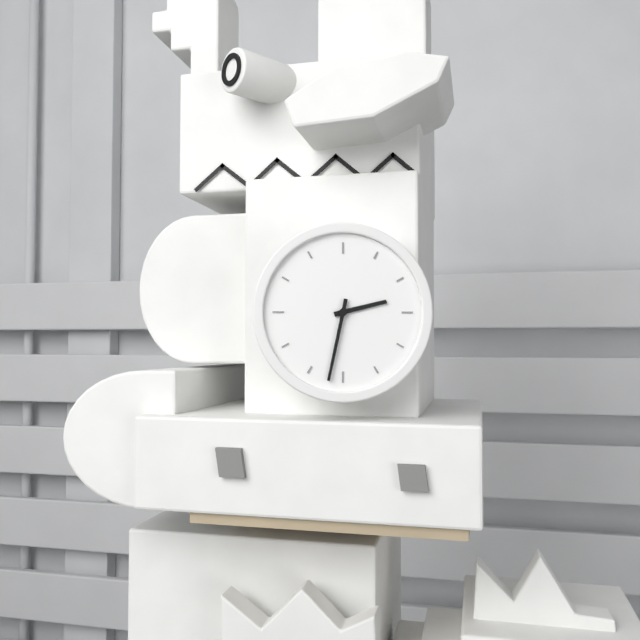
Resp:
**2:32**
